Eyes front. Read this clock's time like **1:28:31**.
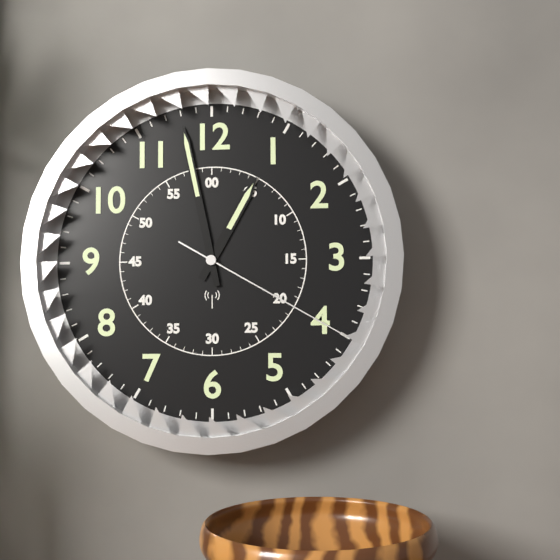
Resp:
**12:58:20**
